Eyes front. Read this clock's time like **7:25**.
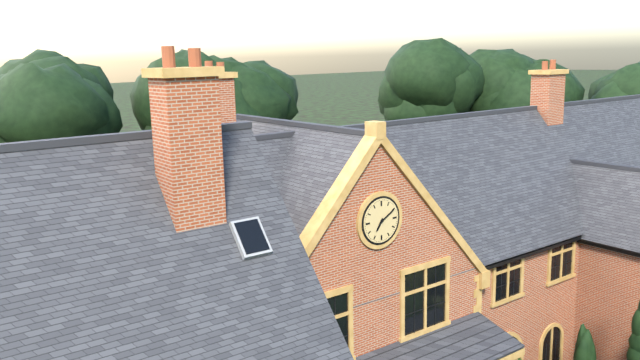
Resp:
**7:10**
